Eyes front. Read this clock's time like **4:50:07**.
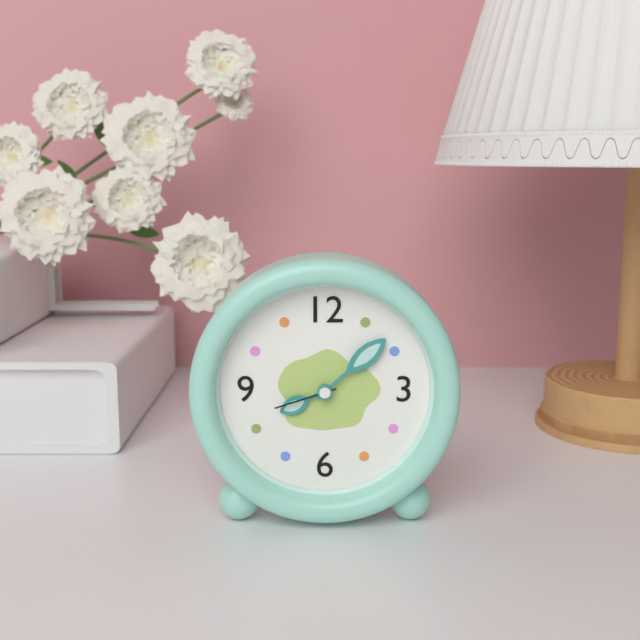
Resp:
**8:08:42**
